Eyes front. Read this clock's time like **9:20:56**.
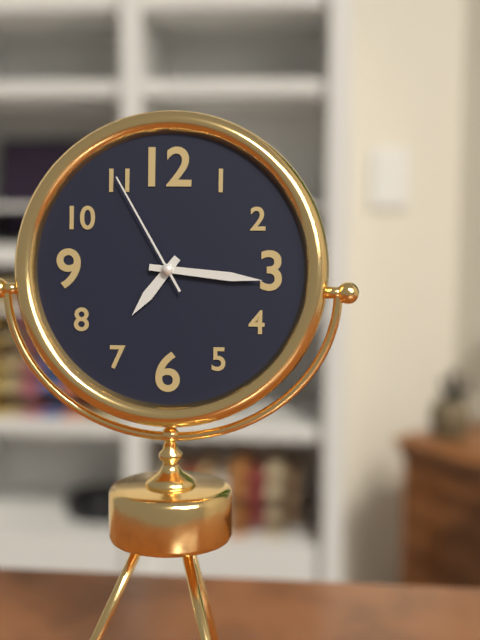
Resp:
**7:16:55**
